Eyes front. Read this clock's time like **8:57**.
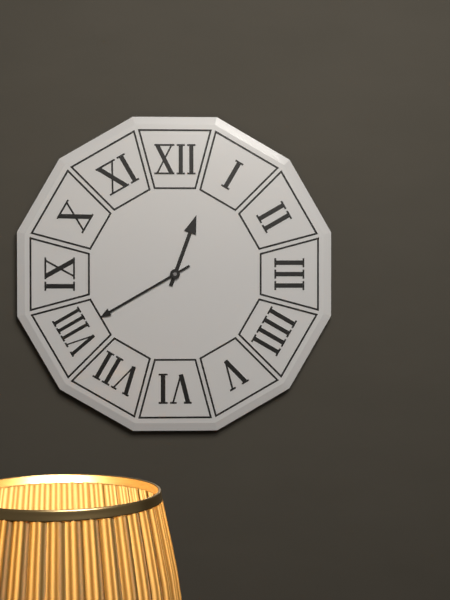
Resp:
**12:40**
